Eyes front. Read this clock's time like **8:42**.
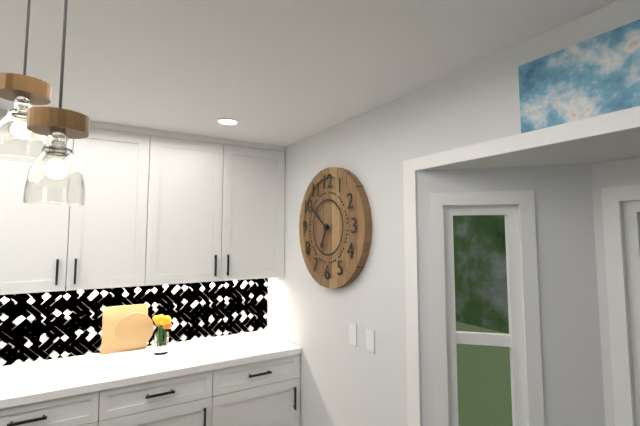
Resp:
**6:51**
